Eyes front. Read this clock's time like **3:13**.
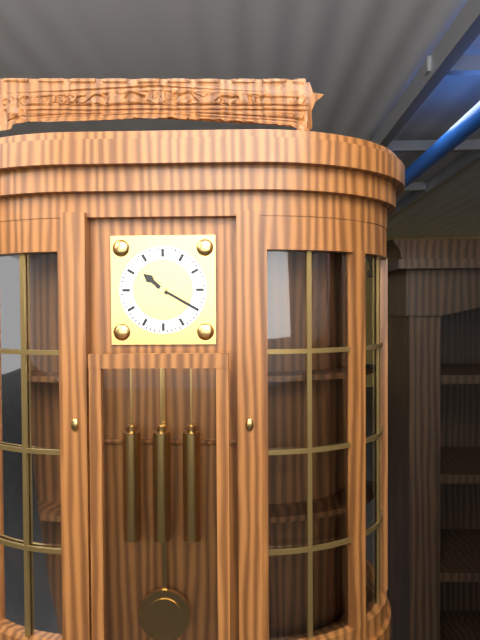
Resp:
**10:20**
